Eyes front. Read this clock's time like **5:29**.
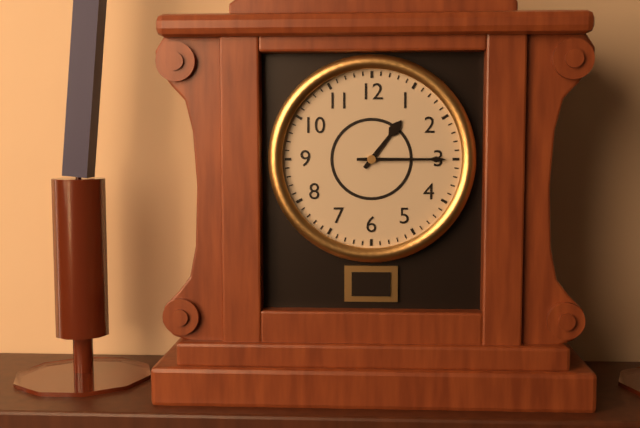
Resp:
**1:15**
